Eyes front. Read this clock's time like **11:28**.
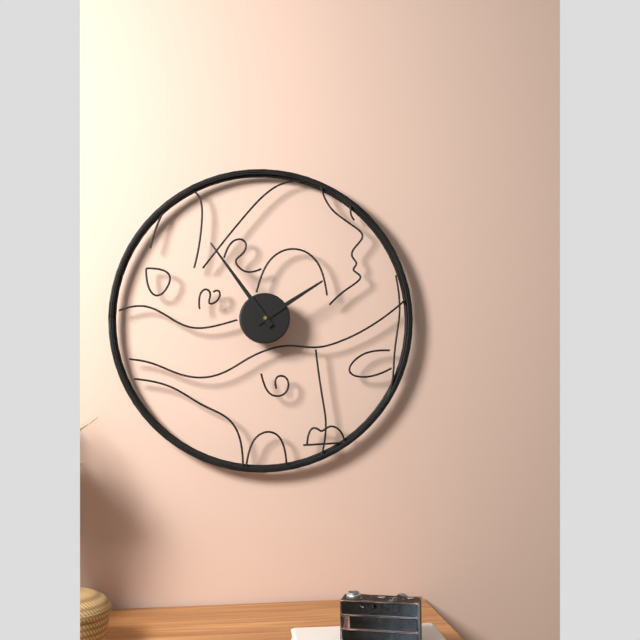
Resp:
**1:54**
